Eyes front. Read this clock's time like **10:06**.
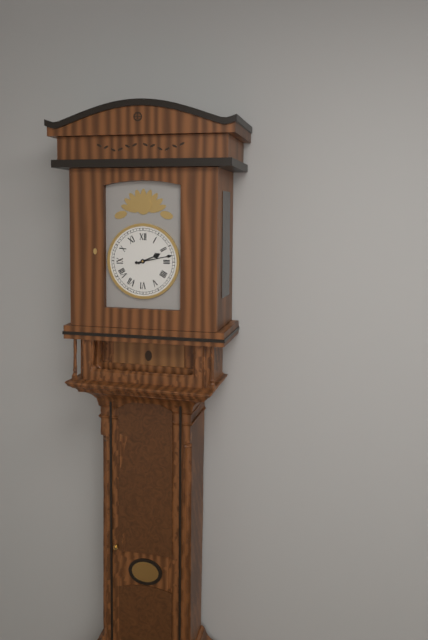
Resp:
**2:13**
